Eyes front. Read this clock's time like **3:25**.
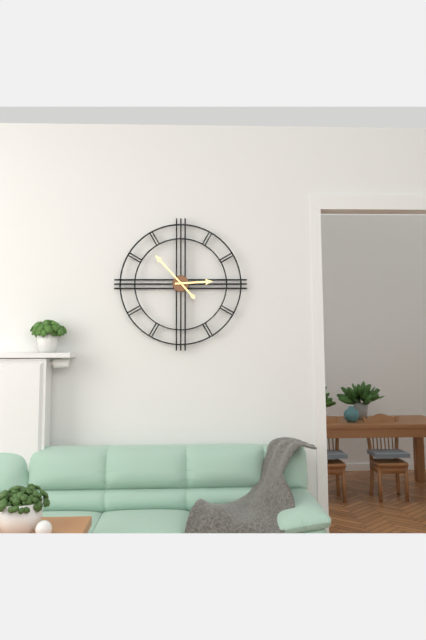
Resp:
**2:53**
